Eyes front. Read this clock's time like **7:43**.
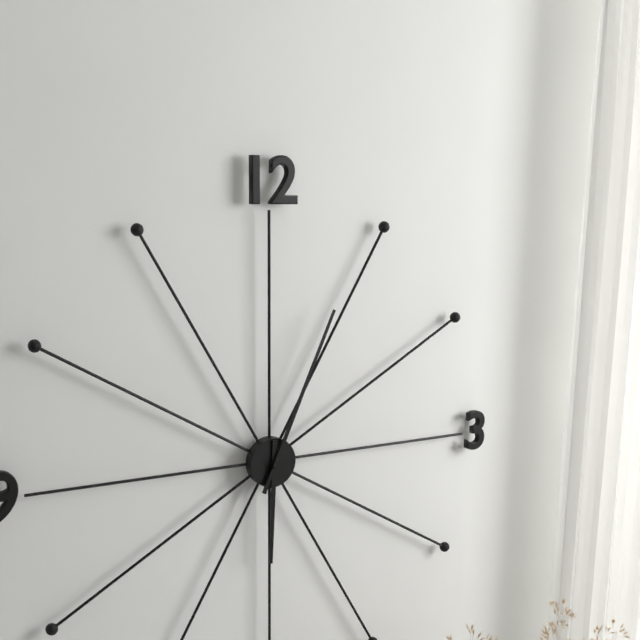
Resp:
**6:04**
